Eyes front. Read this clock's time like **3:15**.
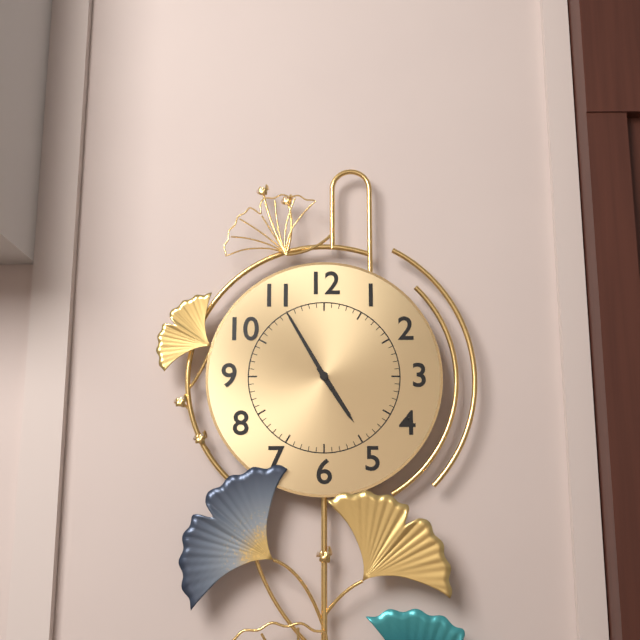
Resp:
**4:55**
